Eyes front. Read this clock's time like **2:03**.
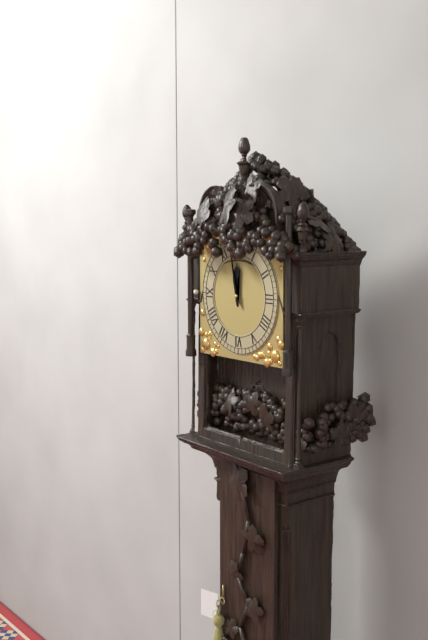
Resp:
**11:58**
